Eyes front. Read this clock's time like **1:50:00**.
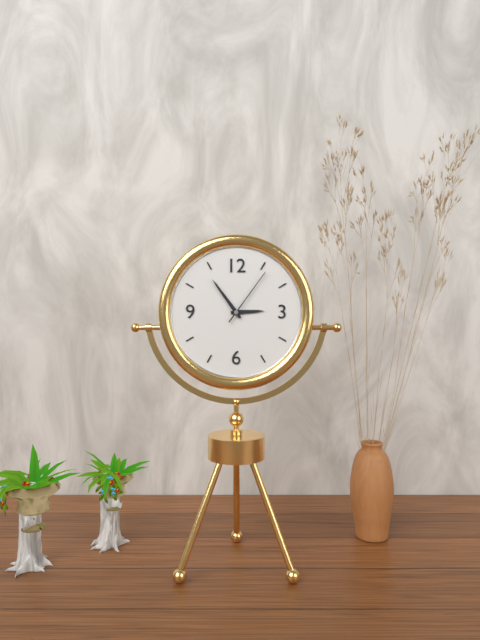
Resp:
**2:54:06**
